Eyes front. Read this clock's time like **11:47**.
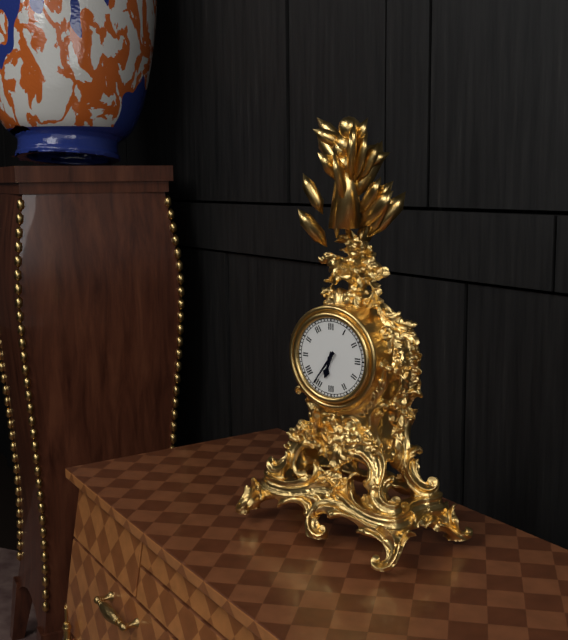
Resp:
**6:36**
